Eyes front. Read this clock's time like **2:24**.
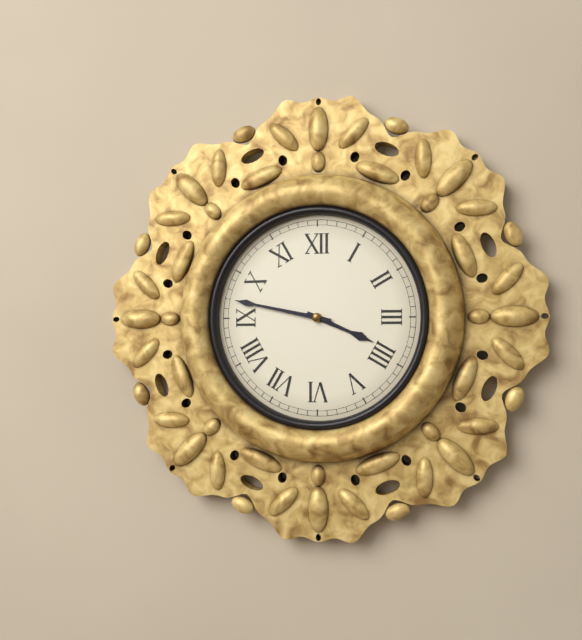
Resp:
**3:47**
